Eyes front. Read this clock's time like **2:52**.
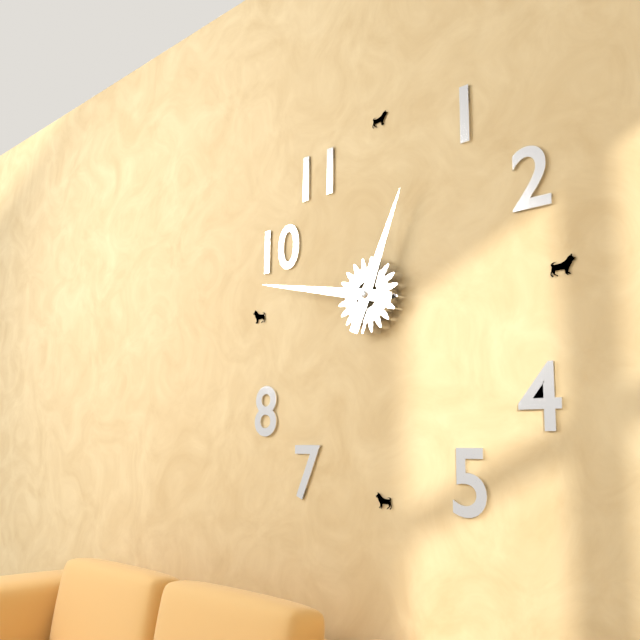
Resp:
**12:47**
